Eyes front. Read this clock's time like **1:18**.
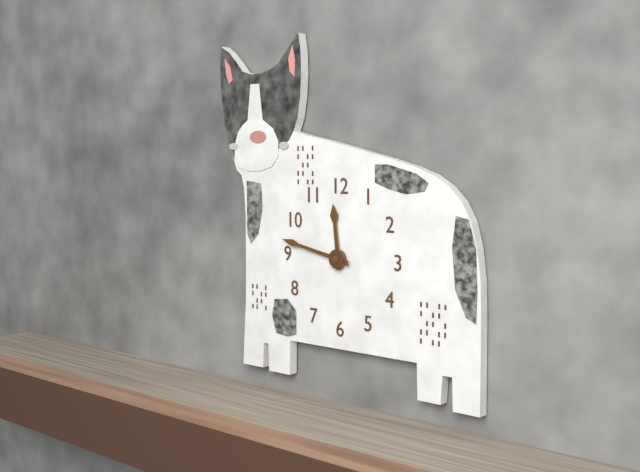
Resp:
**11:47**
